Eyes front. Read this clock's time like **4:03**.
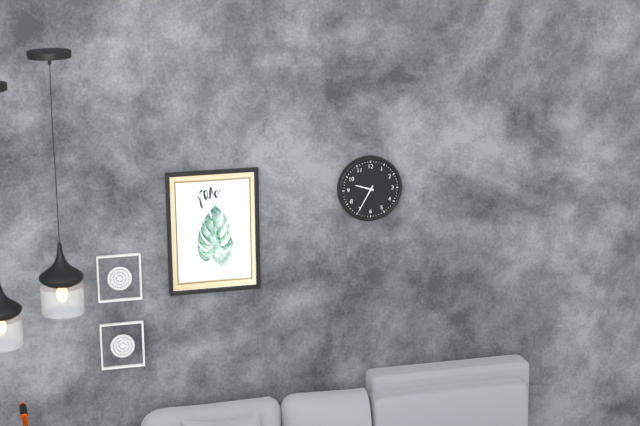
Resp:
**9:35**
